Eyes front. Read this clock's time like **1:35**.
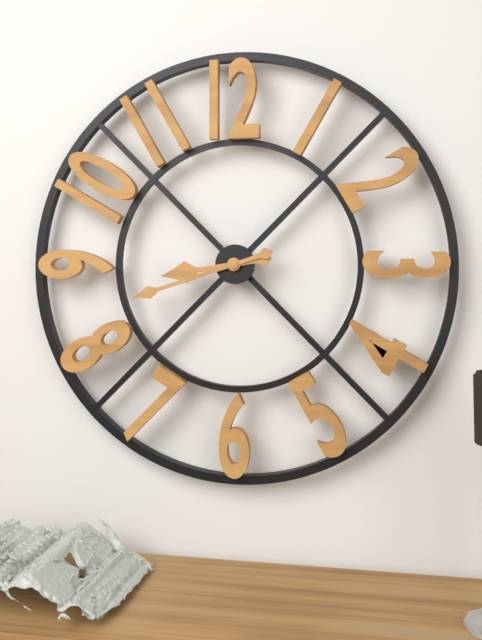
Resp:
**8:42**
